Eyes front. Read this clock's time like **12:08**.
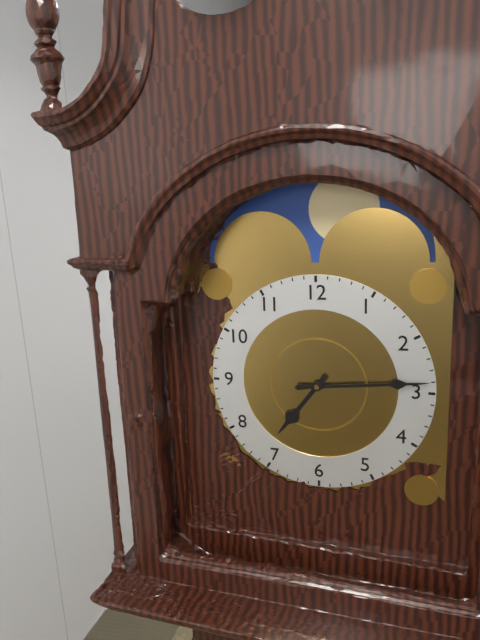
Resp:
**7:14**
